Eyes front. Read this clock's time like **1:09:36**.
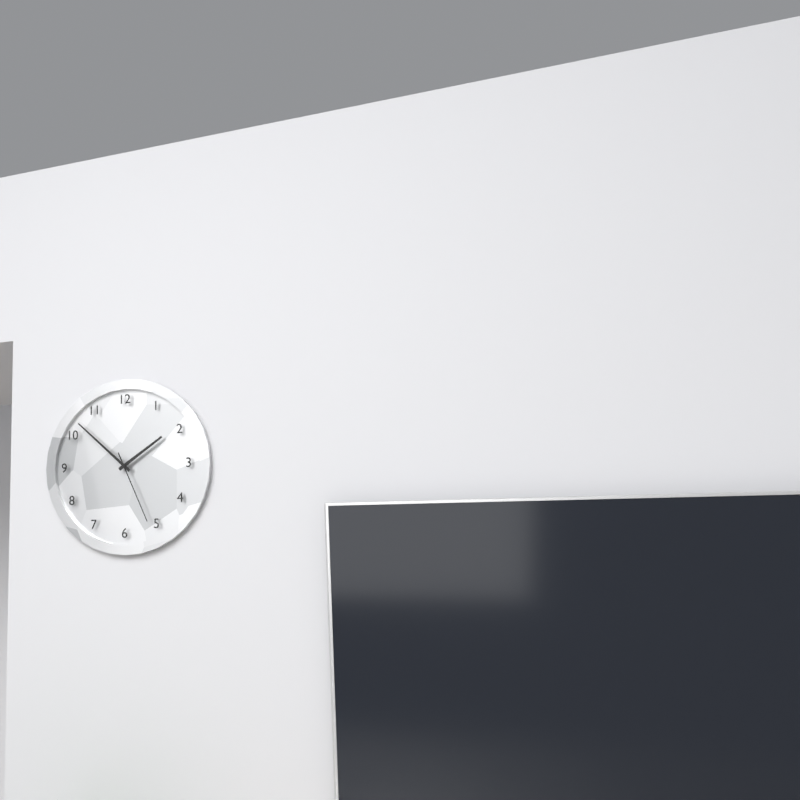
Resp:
**1:52:26**
